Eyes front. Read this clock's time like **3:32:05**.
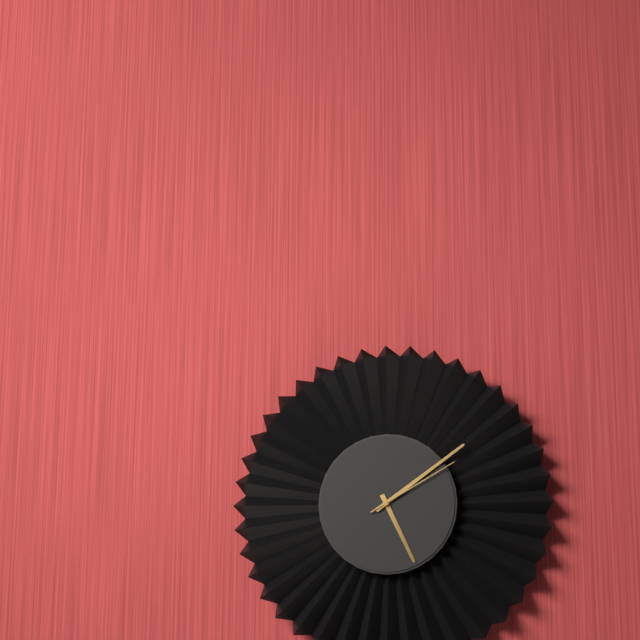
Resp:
**5:09:10**
